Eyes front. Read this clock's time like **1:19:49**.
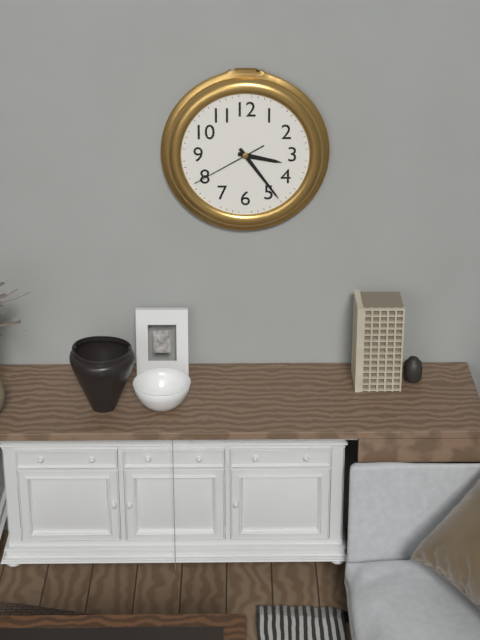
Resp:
**3:24:40**
